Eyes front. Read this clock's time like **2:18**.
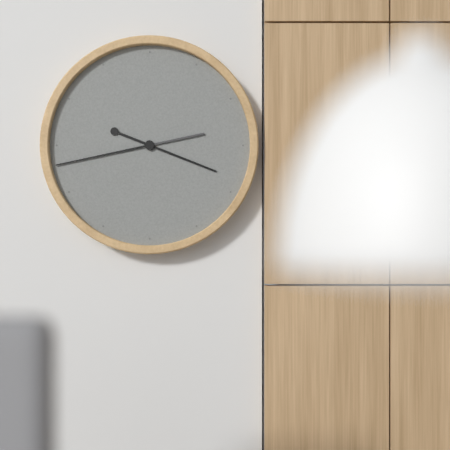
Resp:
**3:43**
